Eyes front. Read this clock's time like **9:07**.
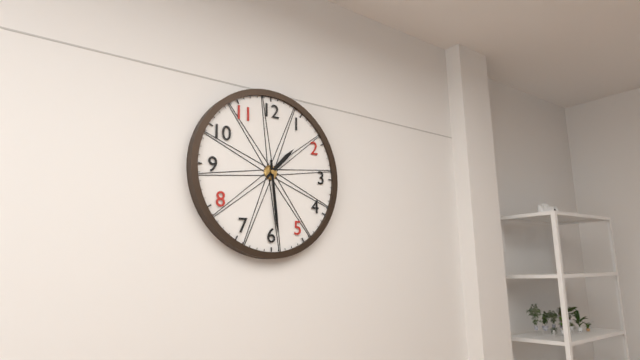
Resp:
**1:29**
